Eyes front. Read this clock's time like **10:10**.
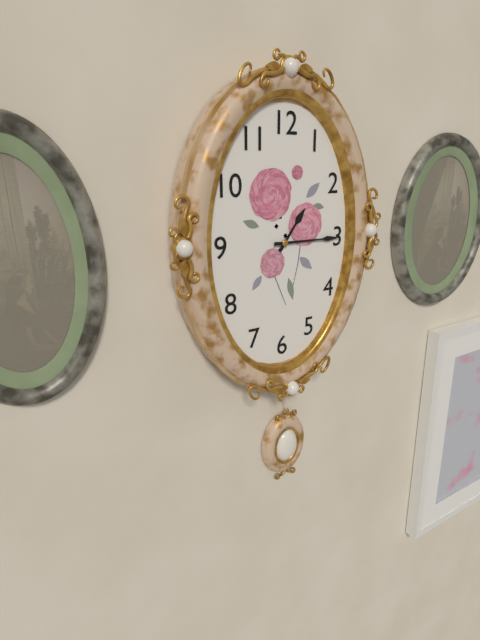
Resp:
**1:15**
